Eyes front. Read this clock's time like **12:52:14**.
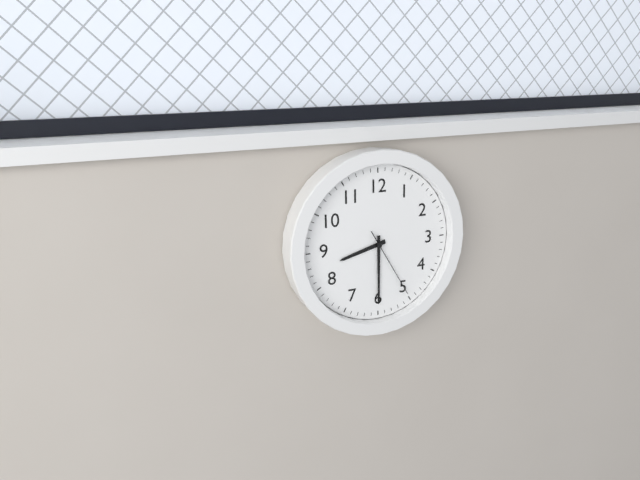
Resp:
**8:30:25**
